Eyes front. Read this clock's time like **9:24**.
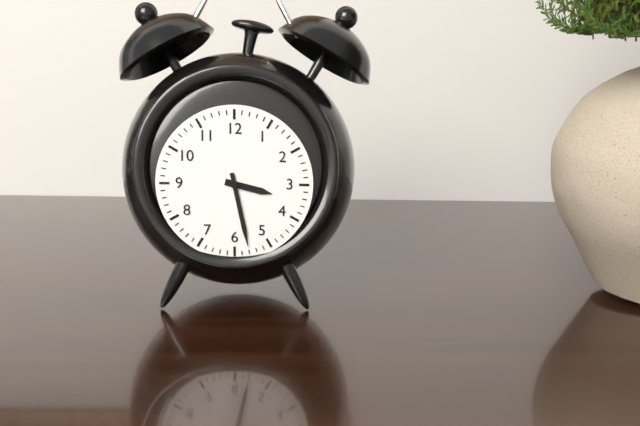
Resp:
**3:28**
